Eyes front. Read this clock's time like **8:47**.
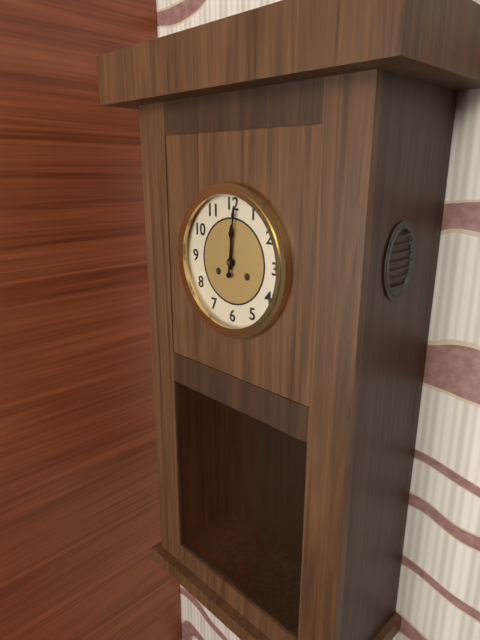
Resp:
**12:01**
